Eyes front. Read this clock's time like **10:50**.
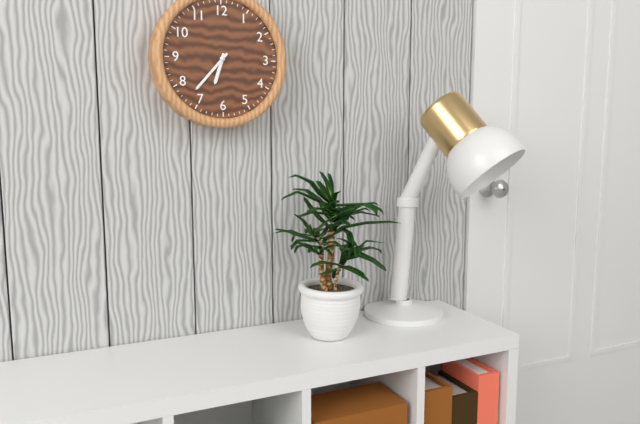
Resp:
**6:37**
